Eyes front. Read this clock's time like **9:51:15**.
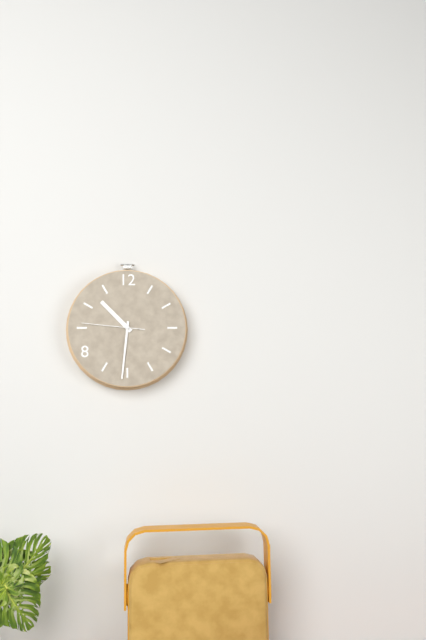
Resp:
**10:31:46**
